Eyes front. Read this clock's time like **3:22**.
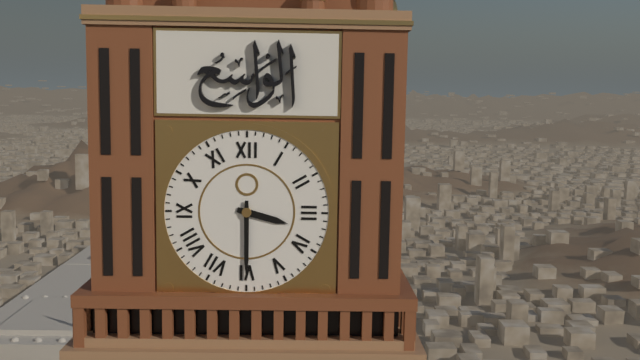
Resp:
**3:30**
